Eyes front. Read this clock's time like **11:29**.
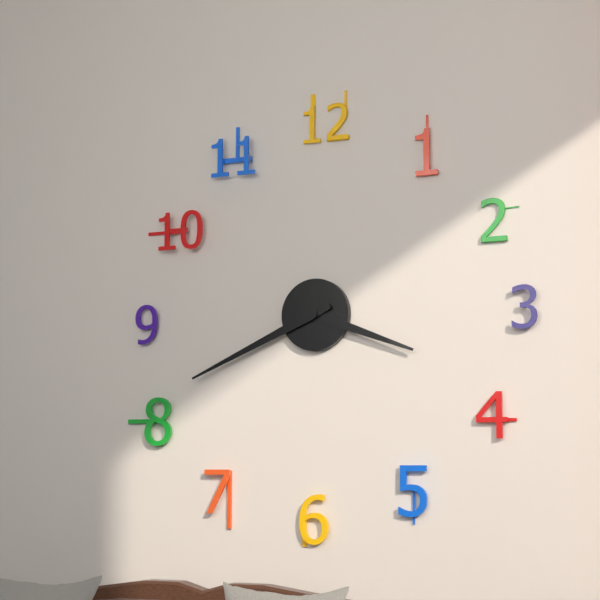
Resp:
**3:41**
